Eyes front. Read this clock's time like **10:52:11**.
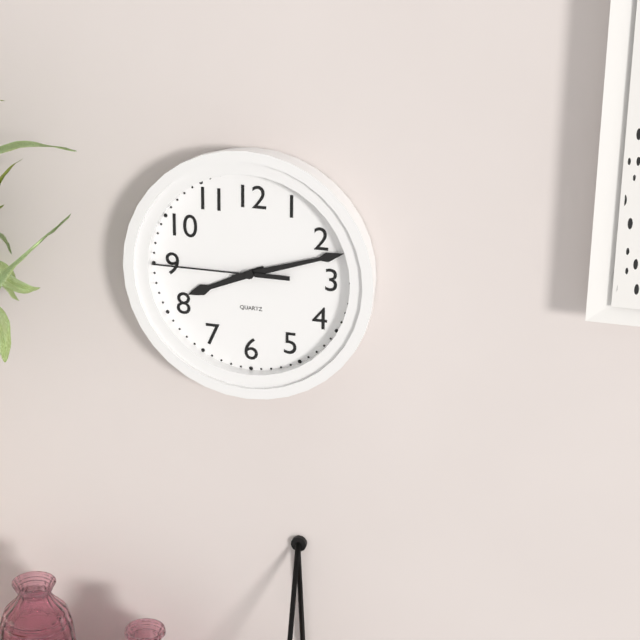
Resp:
**8:12:45**
